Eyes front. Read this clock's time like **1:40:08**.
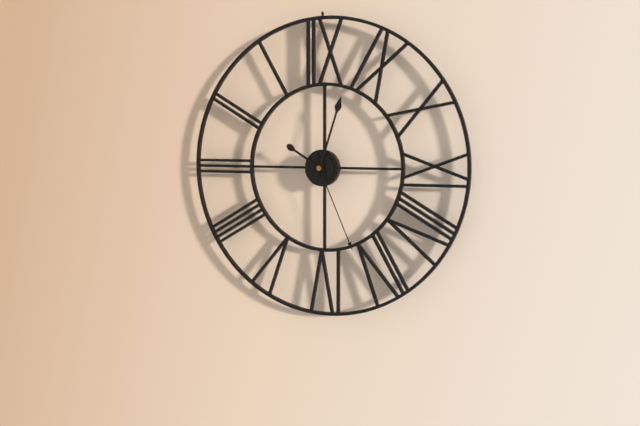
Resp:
**10:03:26**
